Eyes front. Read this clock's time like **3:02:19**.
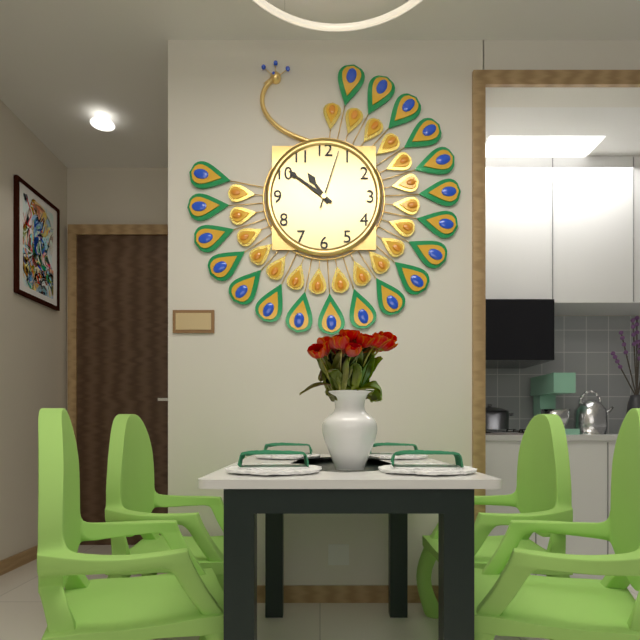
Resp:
**10:51:03**
